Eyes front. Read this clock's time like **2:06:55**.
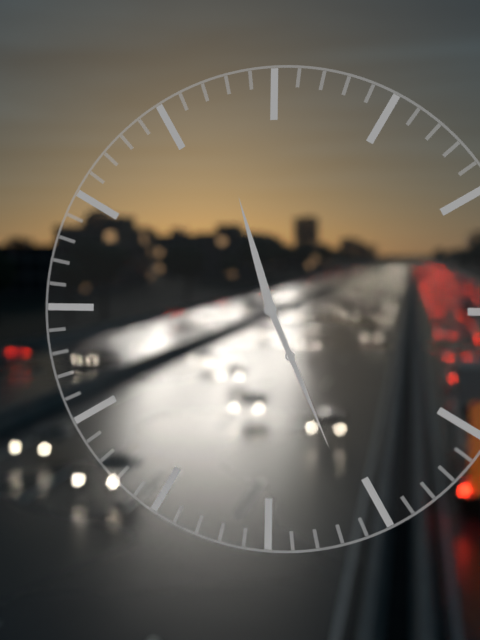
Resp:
**11:26:26**
